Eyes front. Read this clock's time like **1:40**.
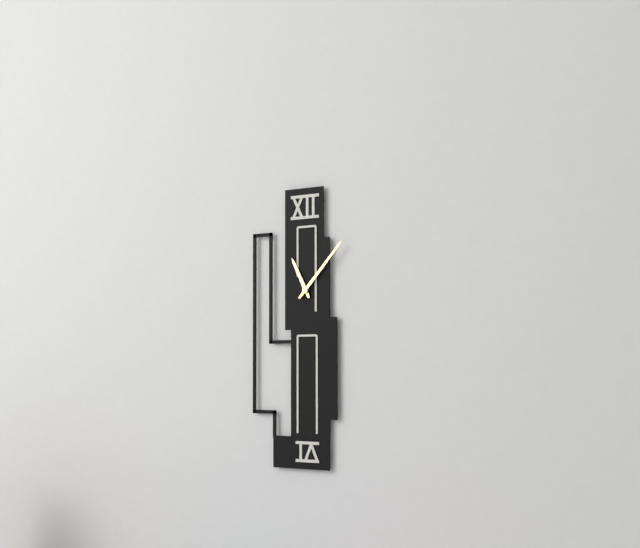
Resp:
**11:07**
